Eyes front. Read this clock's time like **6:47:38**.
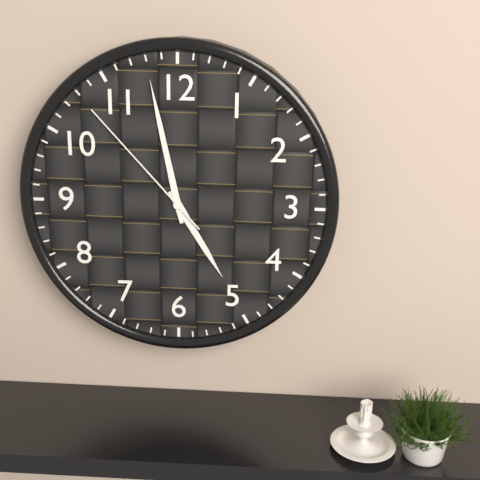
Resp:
**4:58:53**
